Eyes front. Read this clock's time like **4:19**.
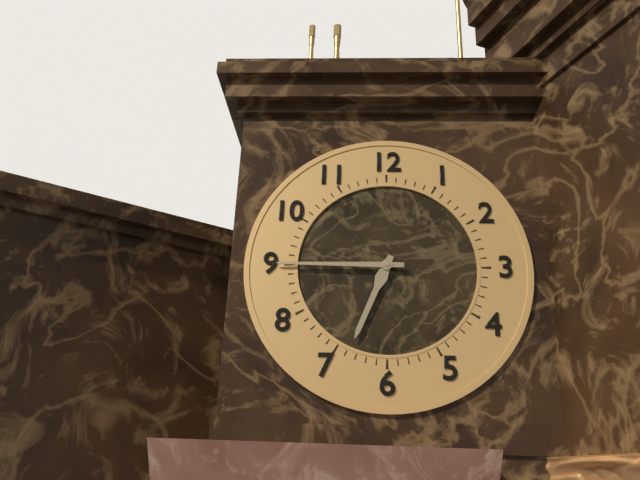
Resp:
**6:45**
